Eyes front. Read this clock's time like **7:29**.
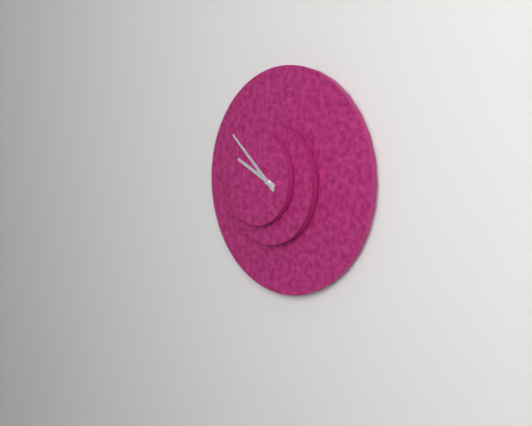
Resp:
**9:52**
